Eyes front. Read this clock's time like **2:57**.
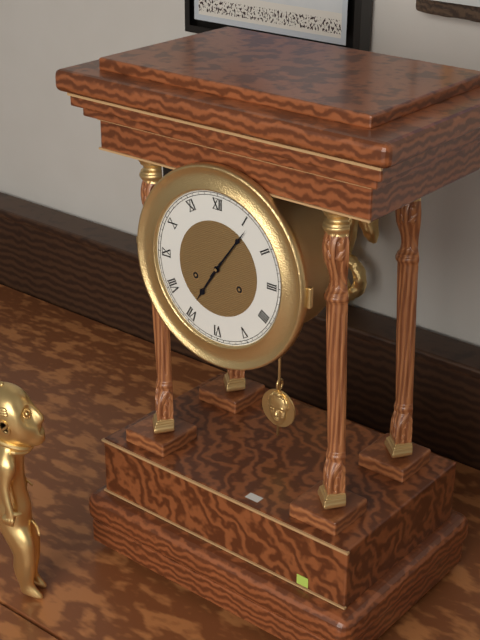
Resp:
**7:06**
